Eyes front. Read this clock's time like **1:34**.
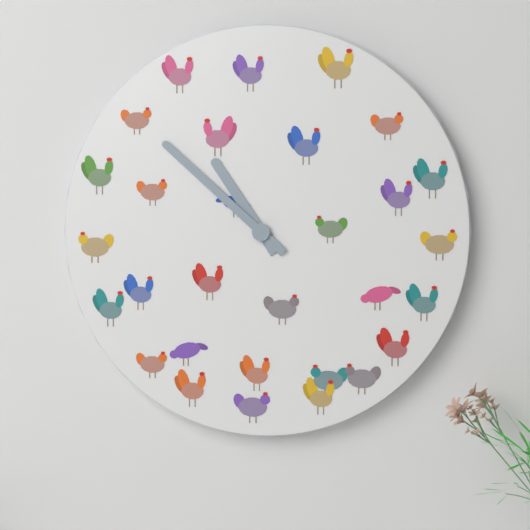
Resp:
**10:52**
